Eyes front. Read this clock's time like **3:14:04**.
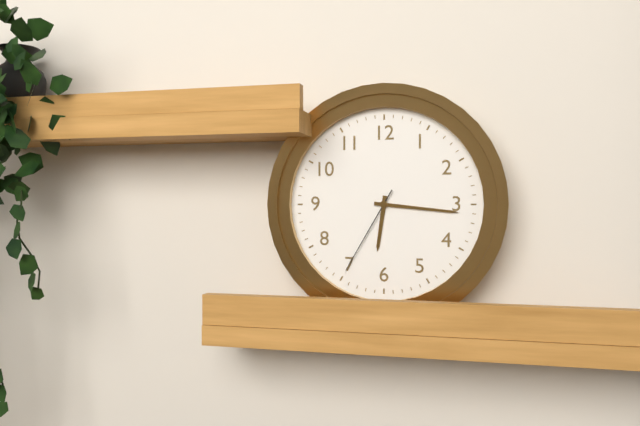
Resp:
**6:16:35**
